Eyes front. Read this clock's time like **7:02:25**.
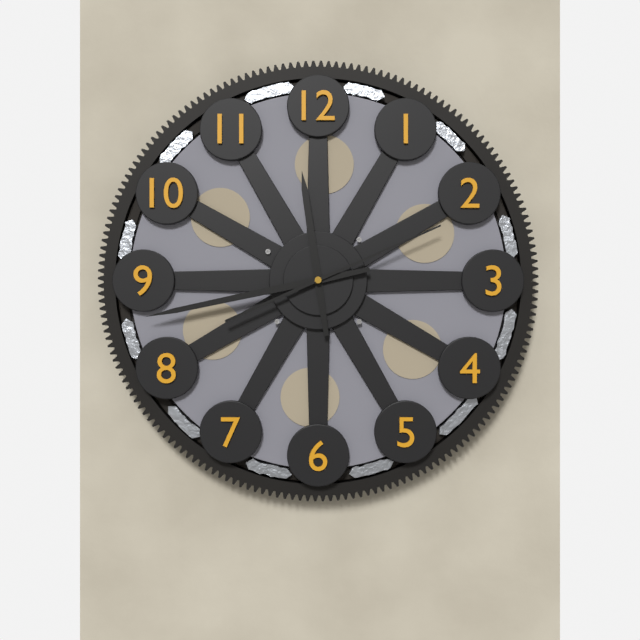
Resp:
**11:43:11**
